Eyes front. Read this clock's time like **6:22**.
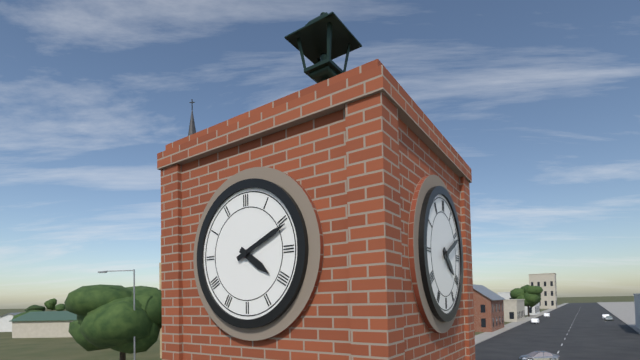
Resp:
**4:11**
